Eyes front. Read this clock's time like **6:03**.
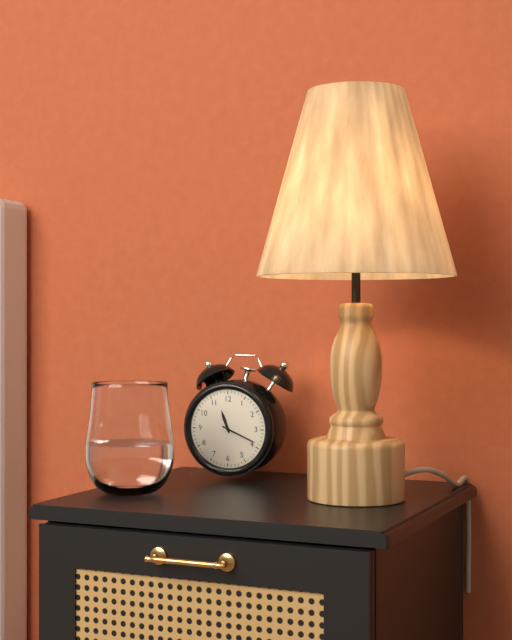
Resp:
**11:19**
